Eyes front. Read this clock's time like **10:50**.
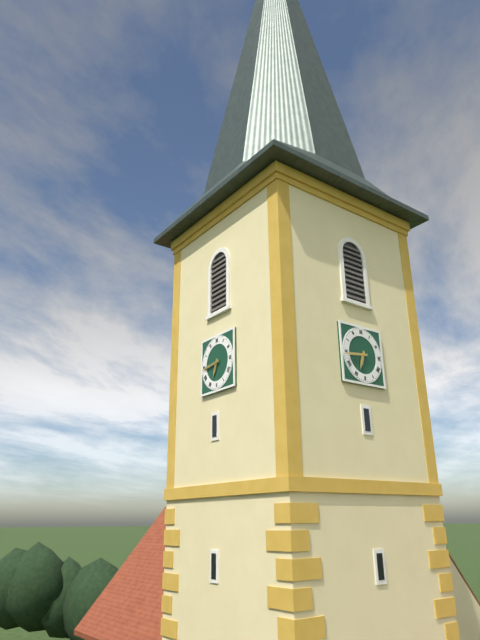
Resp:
**6:44**
